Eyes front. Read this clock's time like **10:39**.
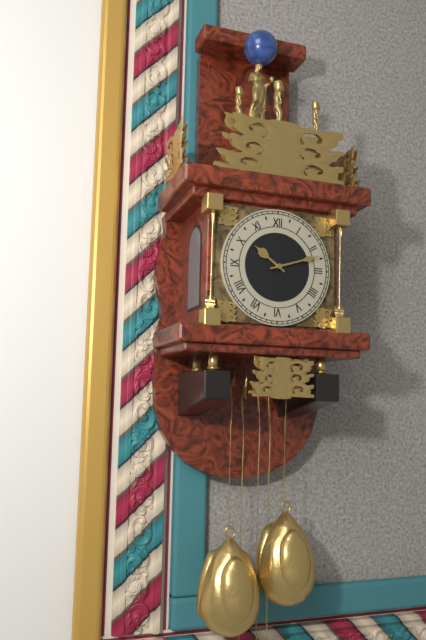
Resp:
**10:12**
